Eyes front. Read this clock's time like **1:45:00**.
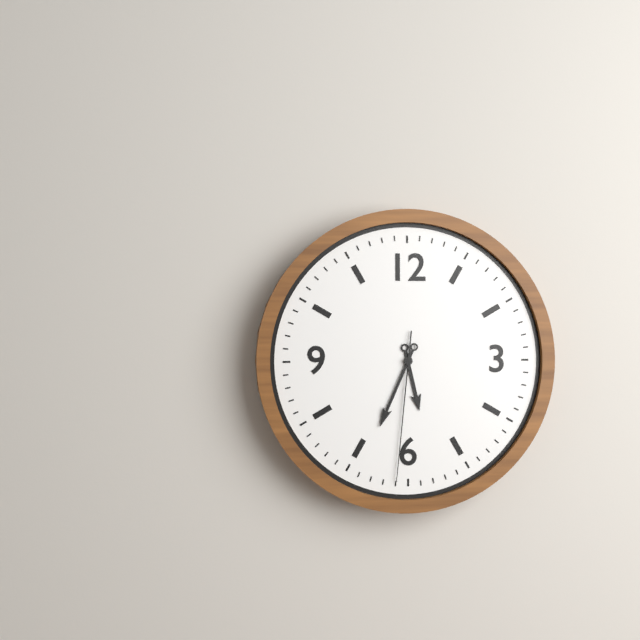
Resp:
**5:34:31**
